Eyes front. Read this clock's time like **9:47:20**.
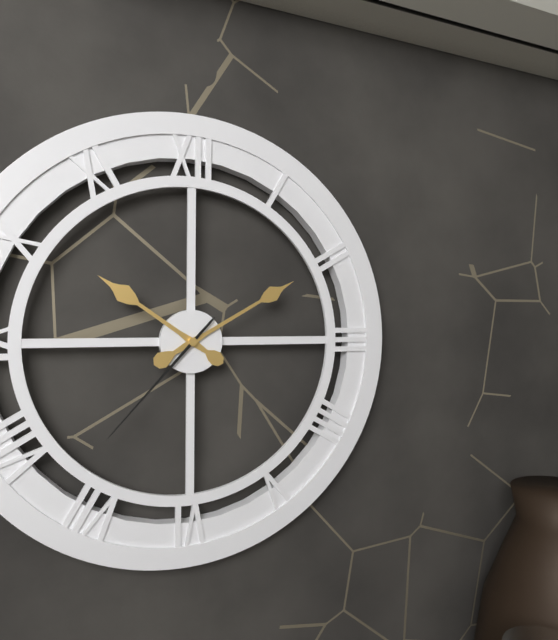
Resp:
**10:10:37**
